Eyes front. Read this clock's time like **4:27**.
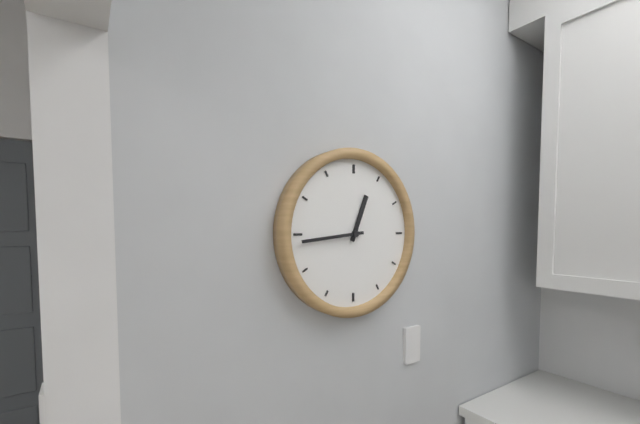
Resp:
**12:44**
